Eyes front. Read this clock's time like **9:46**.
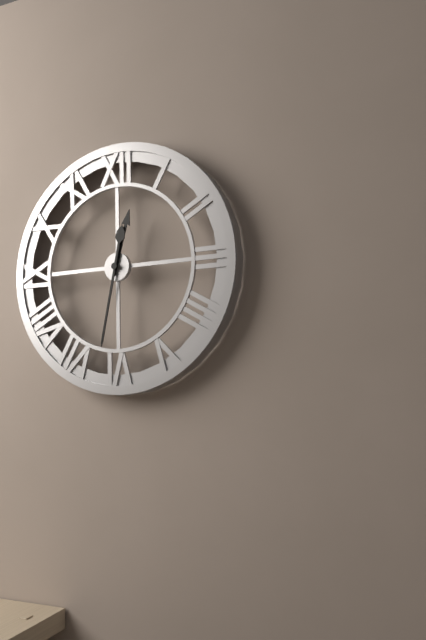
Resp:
**12:32**
